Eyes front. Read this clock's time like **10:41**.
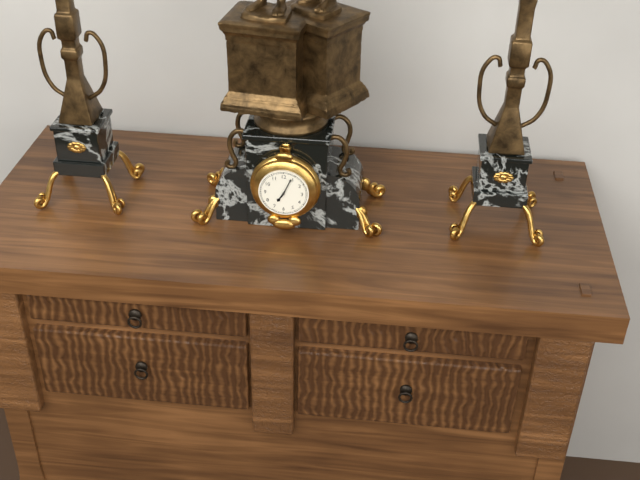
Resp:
**7:04**
